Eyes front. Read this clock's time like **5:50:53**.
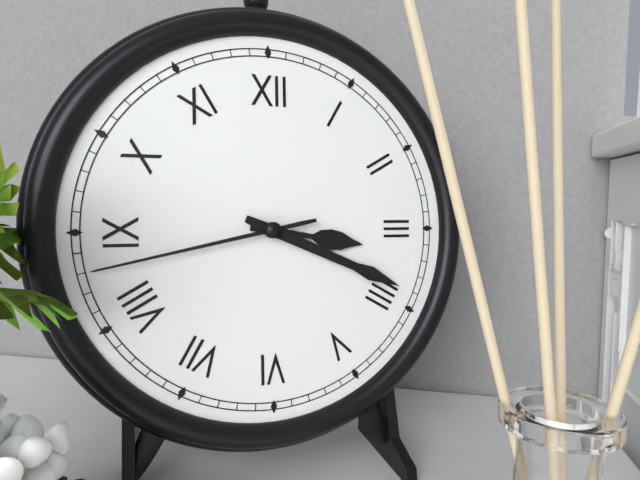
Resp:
**3:19:43**
